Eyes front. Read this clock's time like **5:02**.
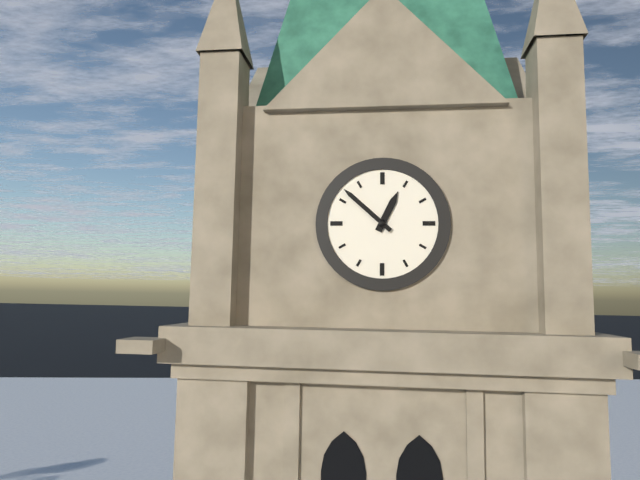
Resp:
**12:52**
